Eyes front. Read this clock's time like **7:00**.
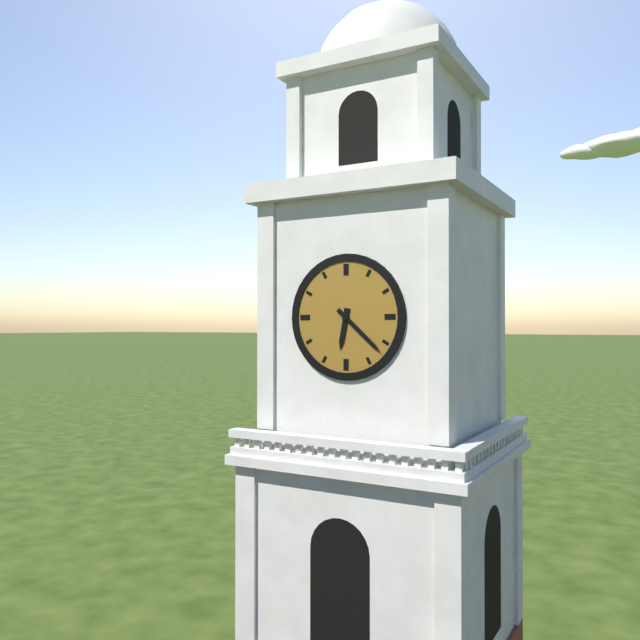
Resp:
**6:22**
